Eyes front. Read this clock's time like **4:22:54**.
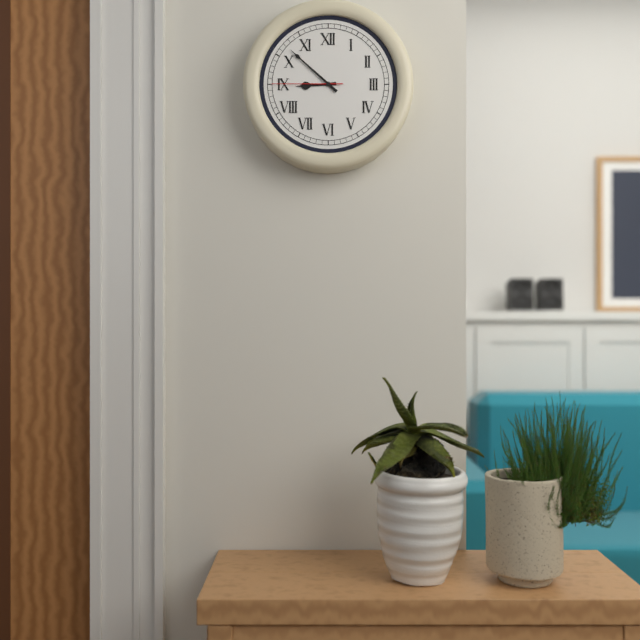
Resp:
**8:52:45**
